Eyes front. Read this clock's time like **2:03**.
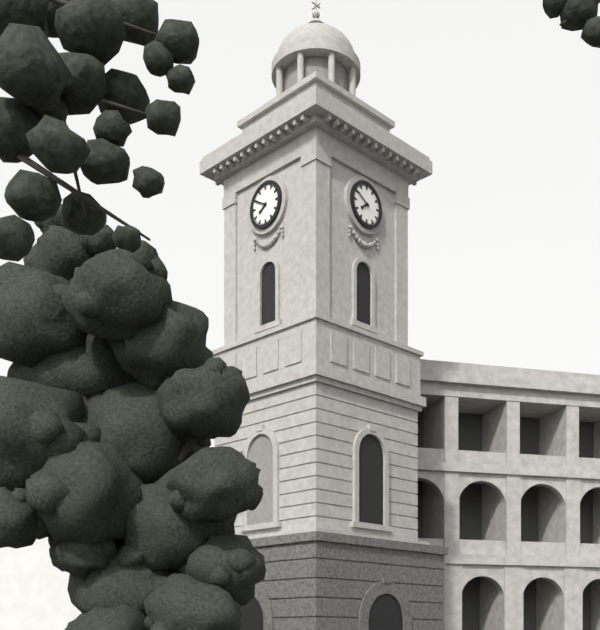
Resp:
**7:50**
